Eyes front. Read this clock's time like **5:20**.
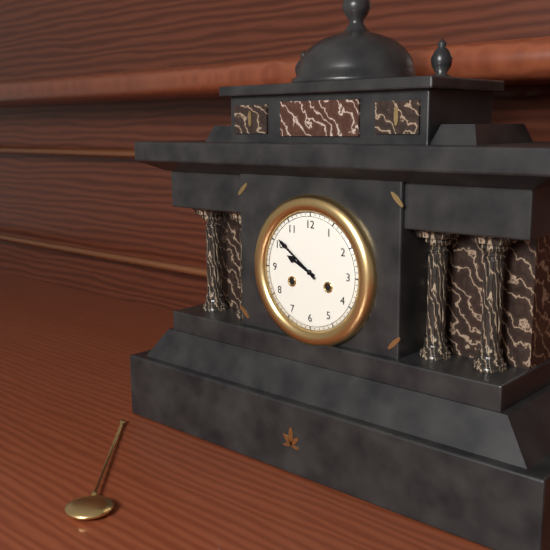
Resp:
**9:51**
